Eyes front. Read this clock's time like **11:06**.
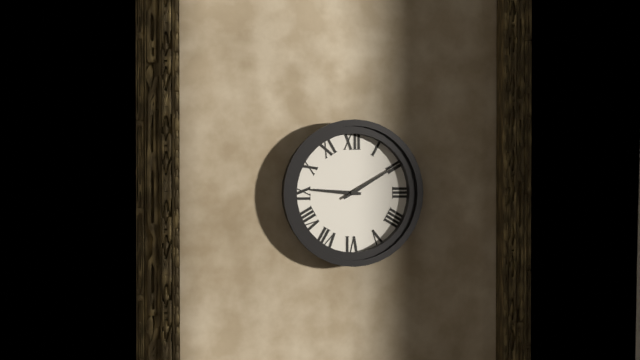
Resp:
**9:10**
